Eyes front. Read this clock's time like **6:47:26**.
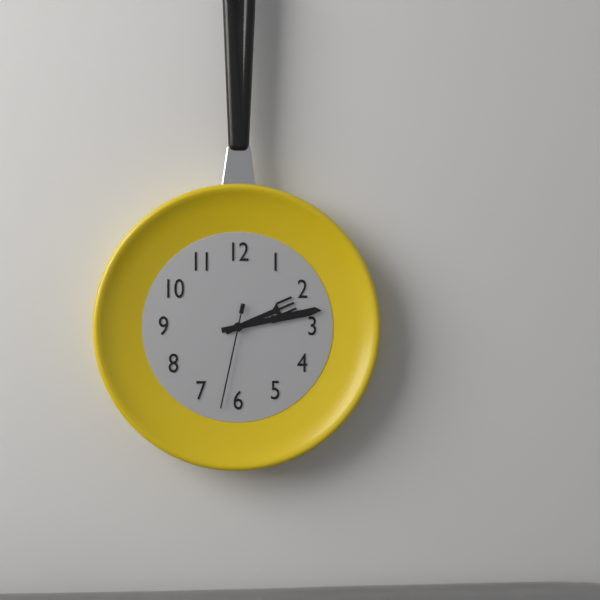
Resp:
**2:13:32**
